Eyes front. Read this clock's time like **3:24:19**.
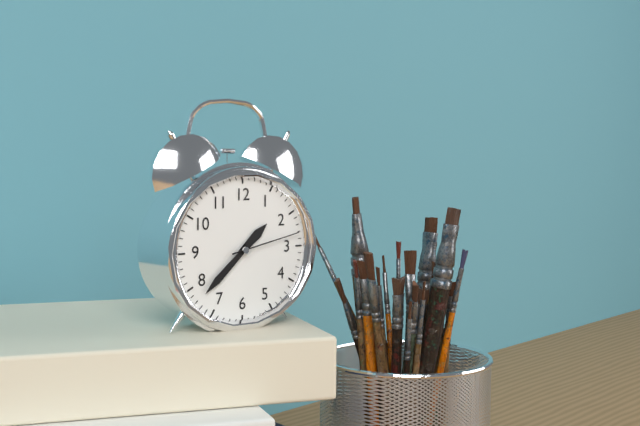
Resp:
**1:38:13**
